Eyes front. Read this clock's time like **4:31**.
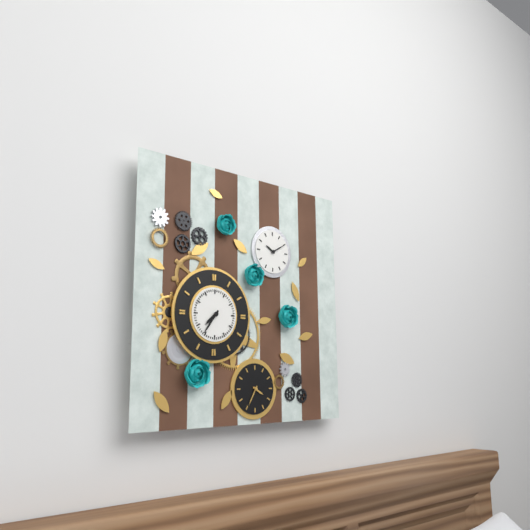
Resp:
**7:36**
